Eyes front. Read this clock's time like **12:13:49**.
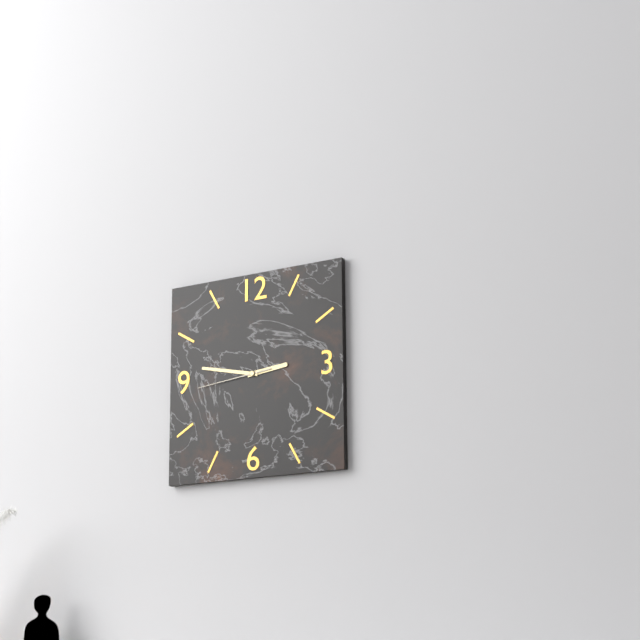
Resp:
**2:47:44**
